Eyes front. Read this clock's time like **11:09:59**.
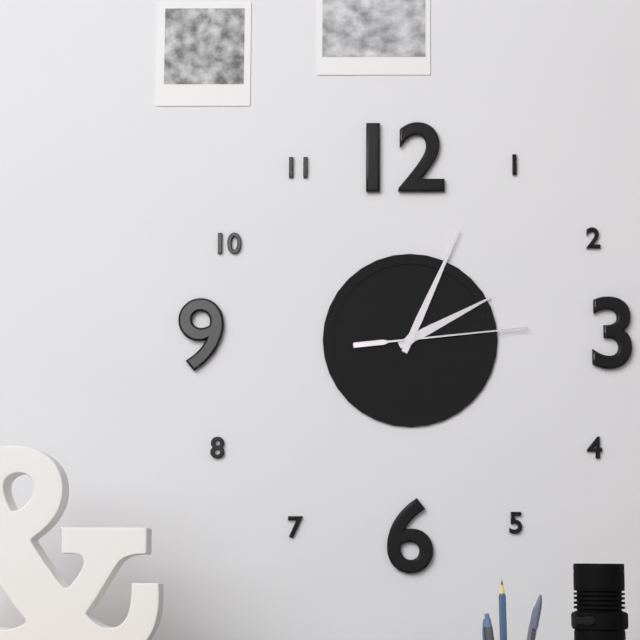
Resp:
**2:04:14**
